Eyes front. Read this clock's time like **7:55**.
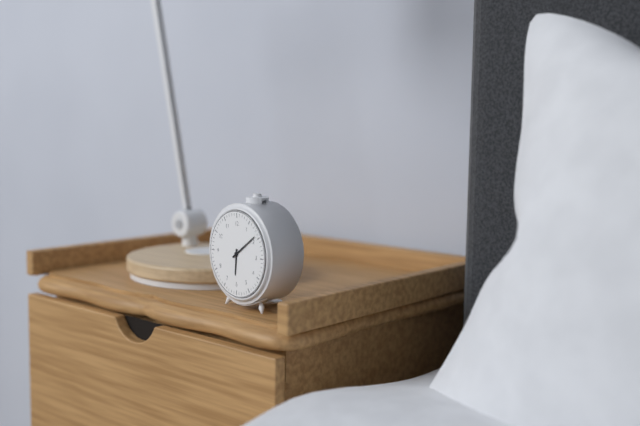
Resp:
**6:09**
